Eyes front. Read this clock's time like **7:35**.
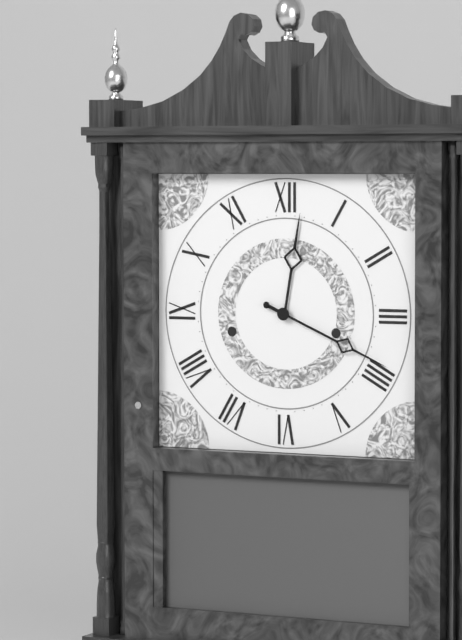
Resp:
**12:19**
